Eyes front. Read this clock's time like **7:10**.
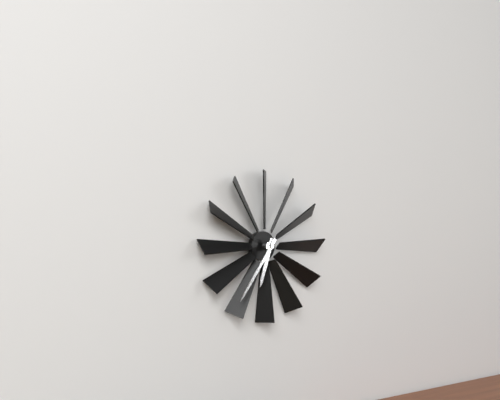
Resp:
**6:36**
